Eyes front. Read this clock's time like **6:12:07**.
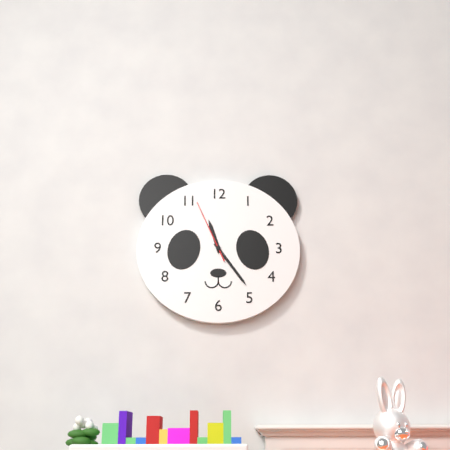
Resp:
**11:24:56**
